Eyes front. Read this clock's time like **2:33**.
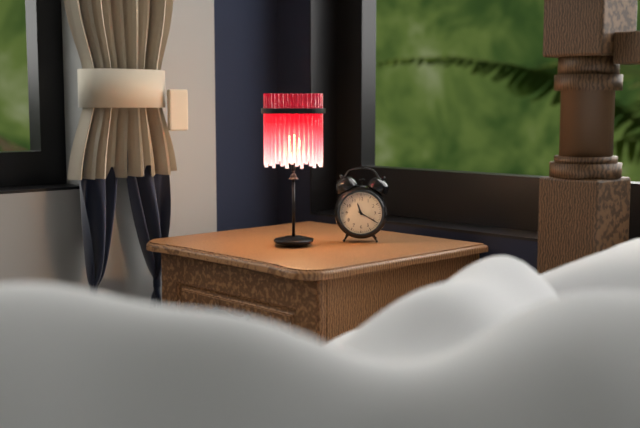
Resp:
**11:20**
